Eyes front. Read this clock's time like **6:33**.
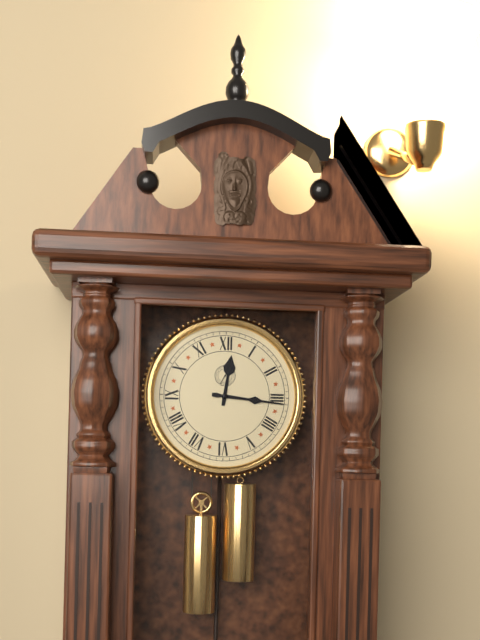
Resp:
**12:16**
